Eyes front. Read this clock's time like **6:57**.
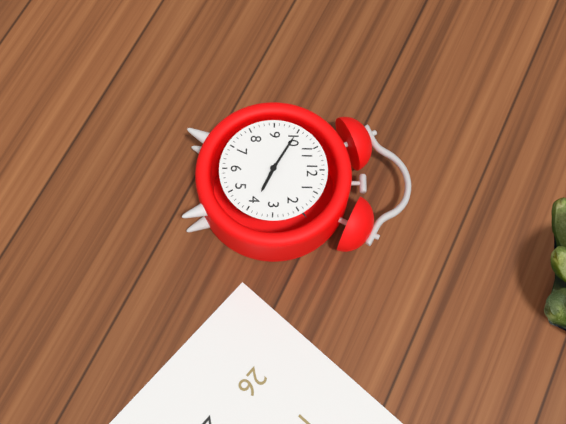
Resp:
**3:50**
